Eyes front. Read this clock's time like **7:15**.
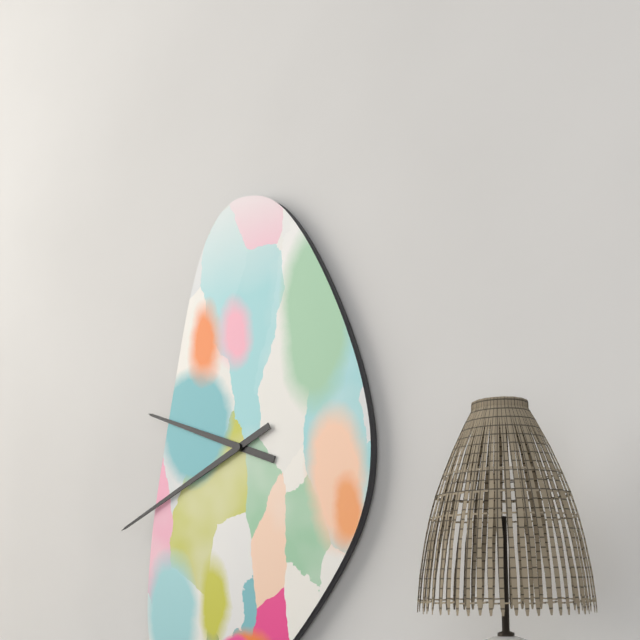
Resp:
**9:41**
